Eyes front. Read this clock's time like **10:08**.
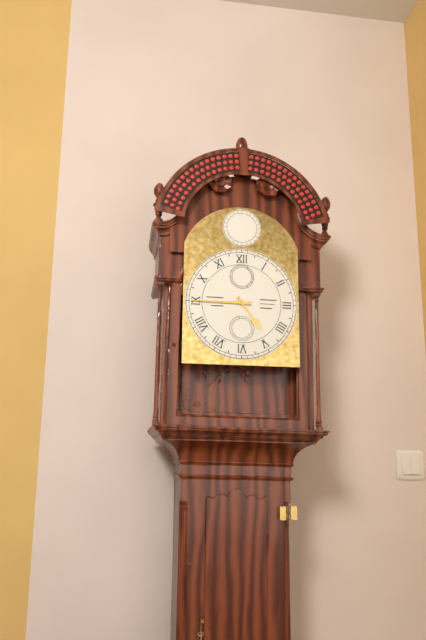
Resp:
**4:45**
